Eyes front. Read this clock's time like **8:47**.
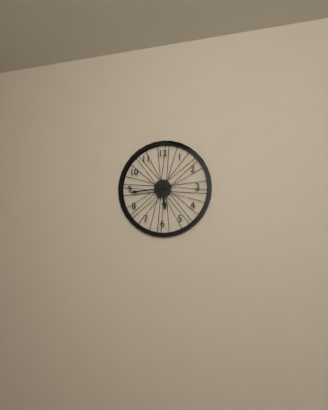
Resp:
**5:44**
